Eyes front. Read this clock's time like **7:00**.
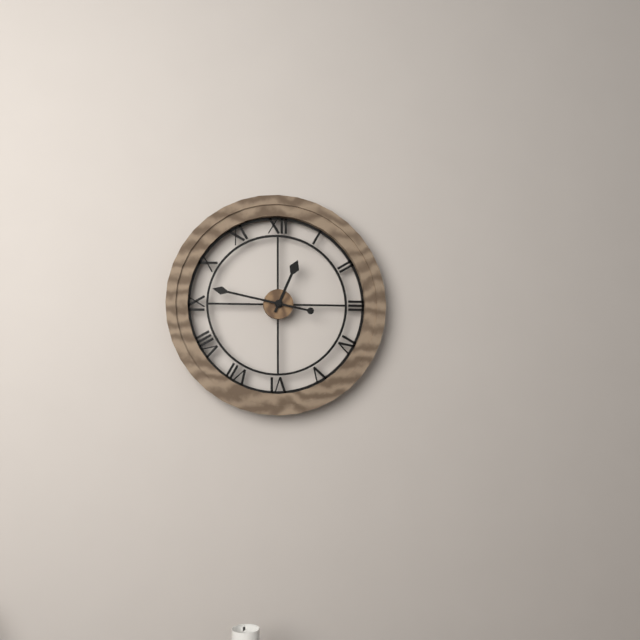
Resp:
**12:47**
